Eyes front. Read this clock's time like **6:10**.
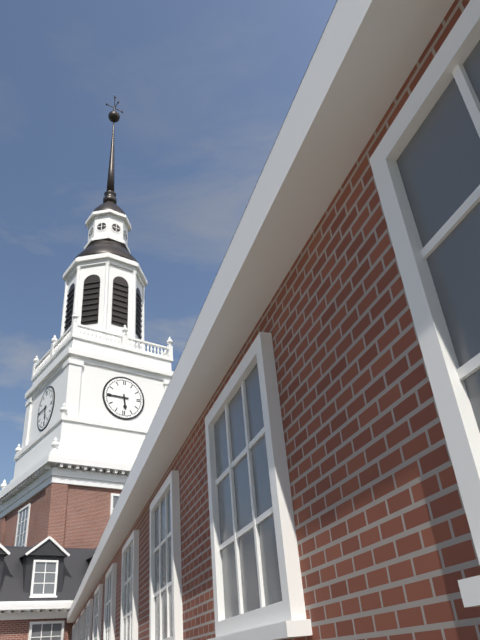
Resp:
**5:45**
